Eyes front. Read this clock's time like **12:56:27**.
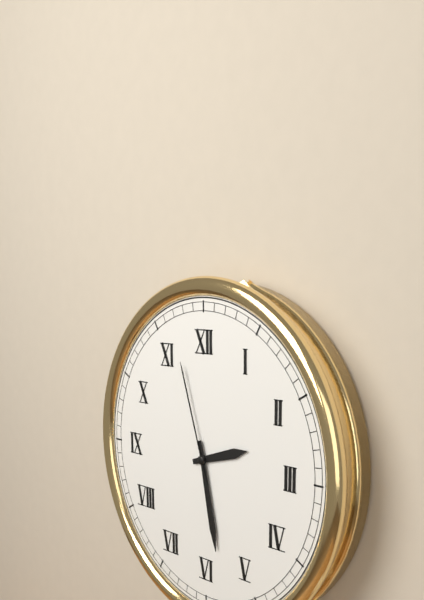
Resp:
**2:28:57**
